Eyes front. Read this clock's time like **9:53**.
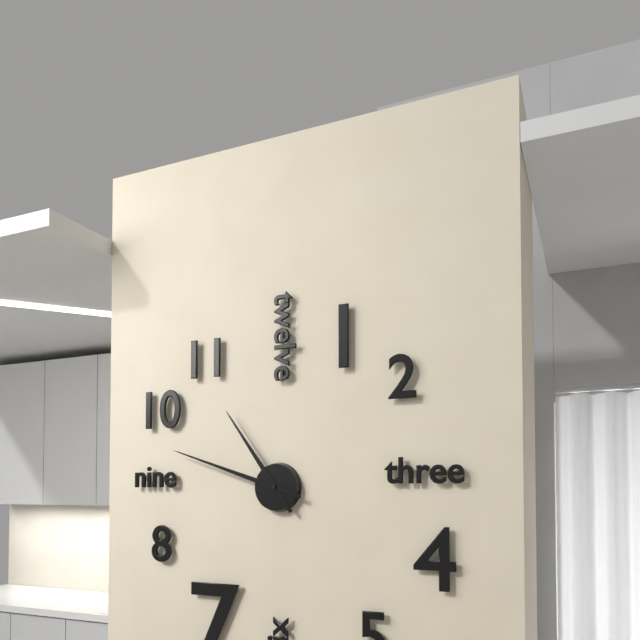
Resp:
**10:48**
